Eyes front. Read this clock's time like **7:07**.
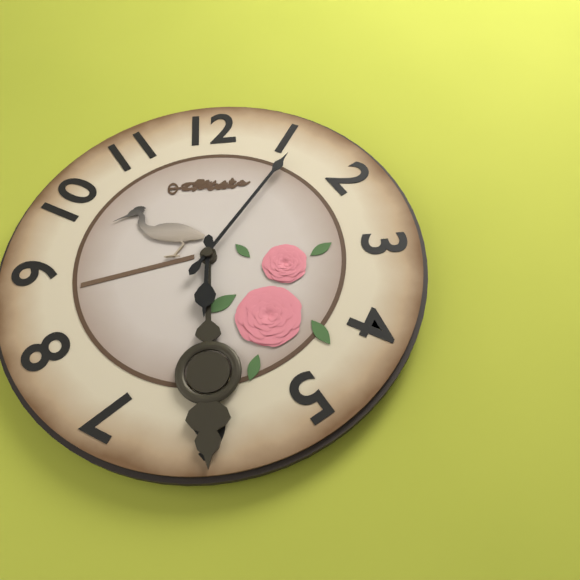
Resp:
**6:06**
